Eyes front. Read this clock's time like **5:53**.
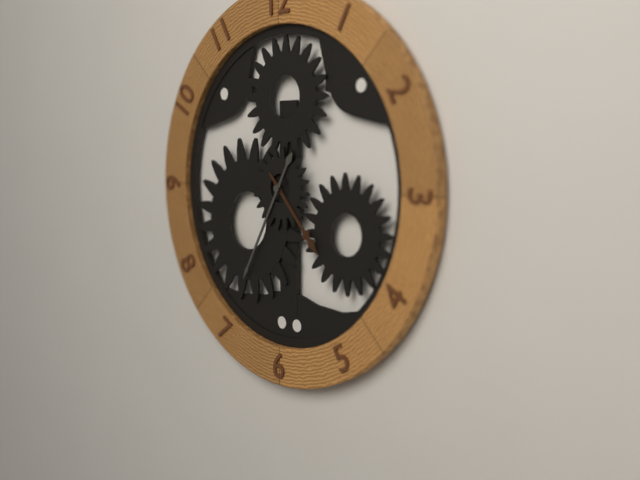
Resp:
**4:35**
